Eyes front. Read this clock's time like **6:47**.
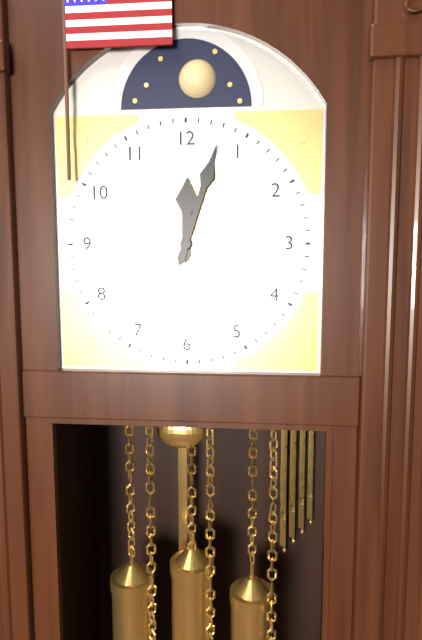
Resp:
**12:03**
